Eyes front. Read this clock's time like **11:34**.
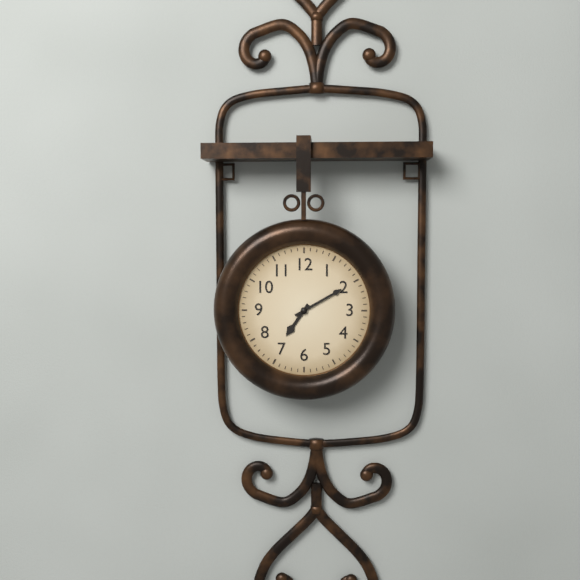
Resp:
**7:10**
